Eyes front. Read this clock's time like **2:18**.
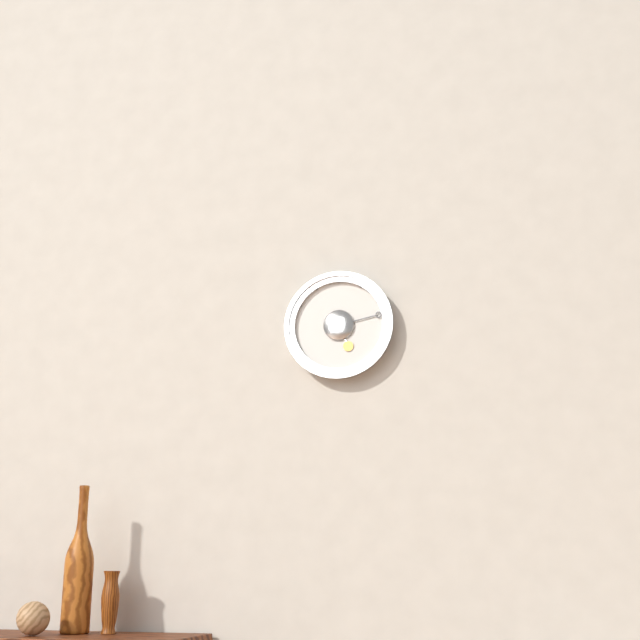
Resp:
**5:13**
